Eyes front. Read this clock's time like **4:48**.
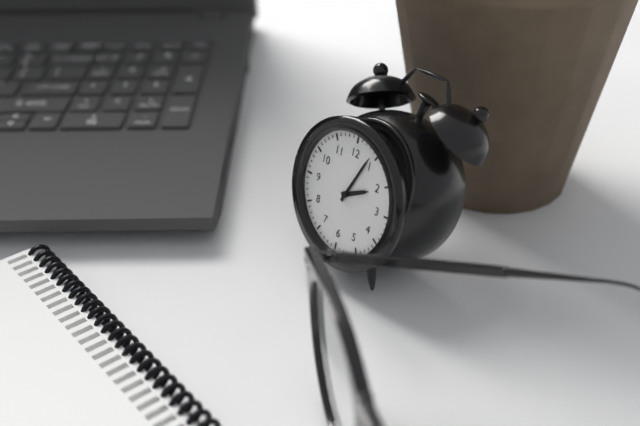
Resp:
**2:04**
